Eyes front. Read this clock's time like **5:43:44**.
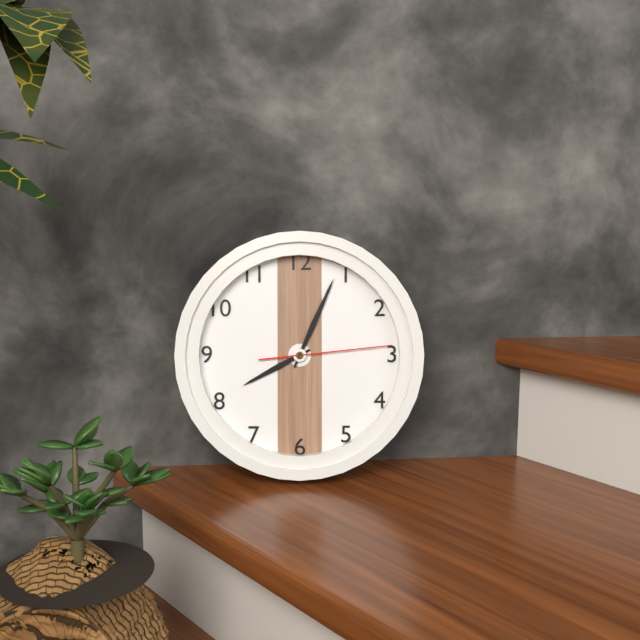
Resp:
**8:04:14**
